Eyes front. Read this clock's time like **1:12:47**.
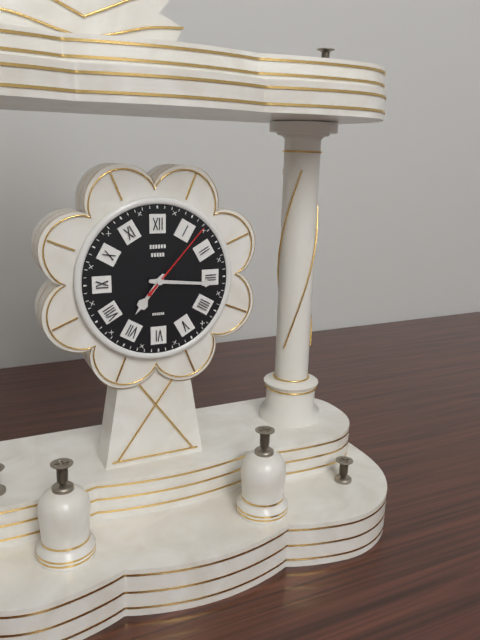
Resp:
**7:16:07**
